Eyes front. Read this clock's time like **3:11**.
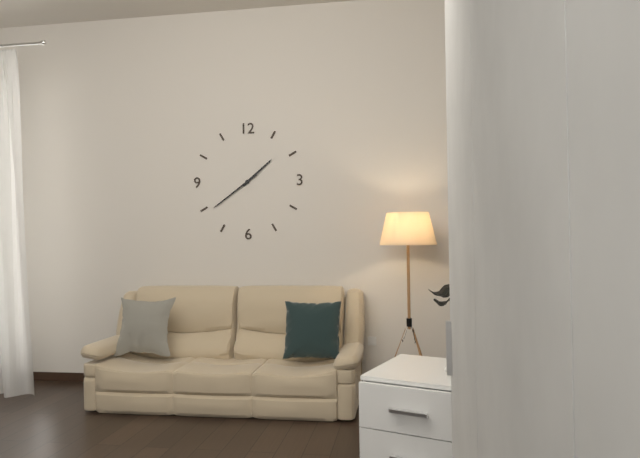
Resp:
**1:39**
